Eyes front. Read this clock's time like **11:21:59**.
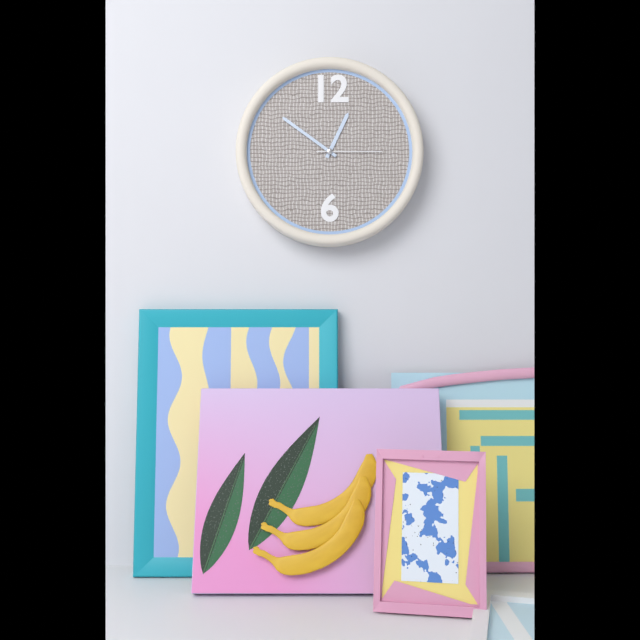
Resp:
**12:51:15**
